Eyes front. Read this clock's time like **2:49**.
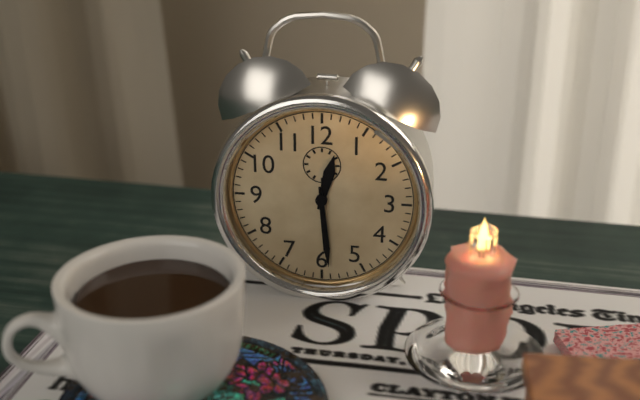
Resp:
**12:29**
